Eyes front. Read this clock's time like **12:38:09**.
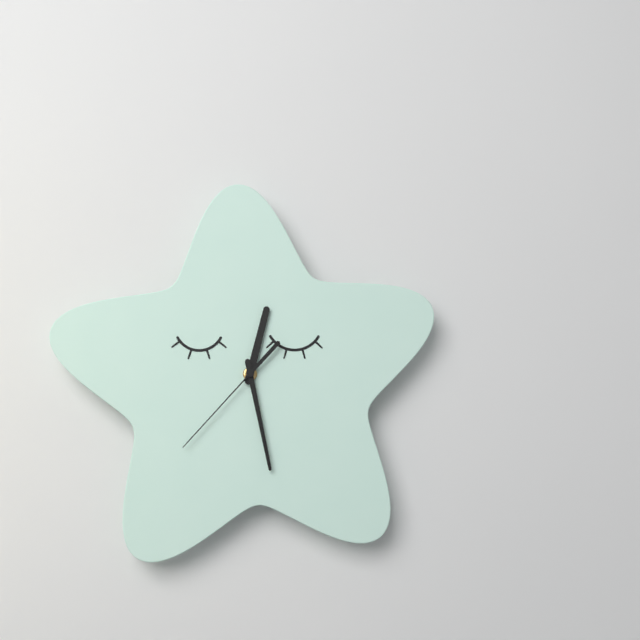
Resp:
**12:28:37**
